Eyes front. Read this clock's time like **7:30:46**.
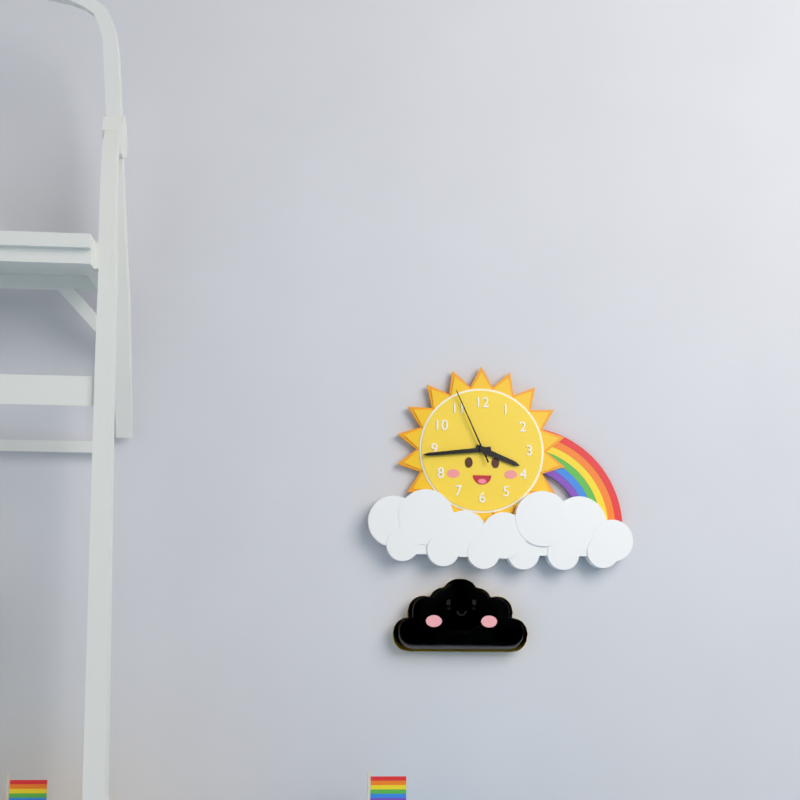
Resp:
**3:44:56**
